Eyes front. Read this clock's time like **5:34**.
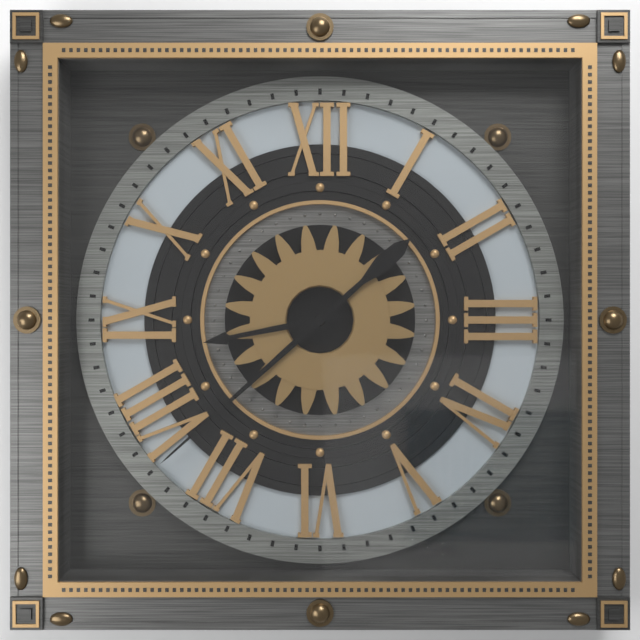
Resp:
**8:38**
